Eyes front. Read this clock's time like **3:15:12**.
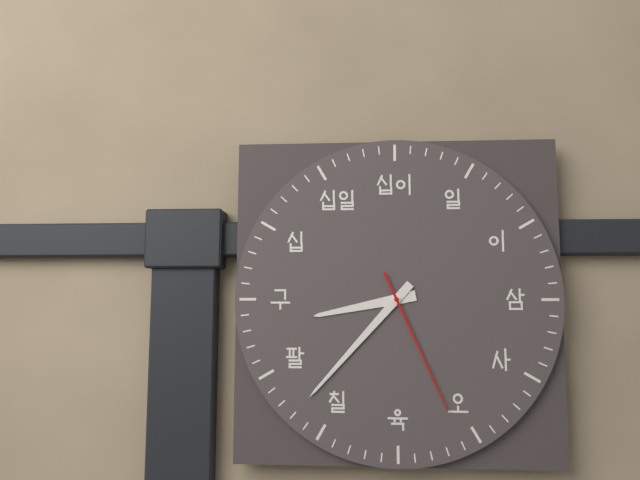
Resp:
**8:37:26**
